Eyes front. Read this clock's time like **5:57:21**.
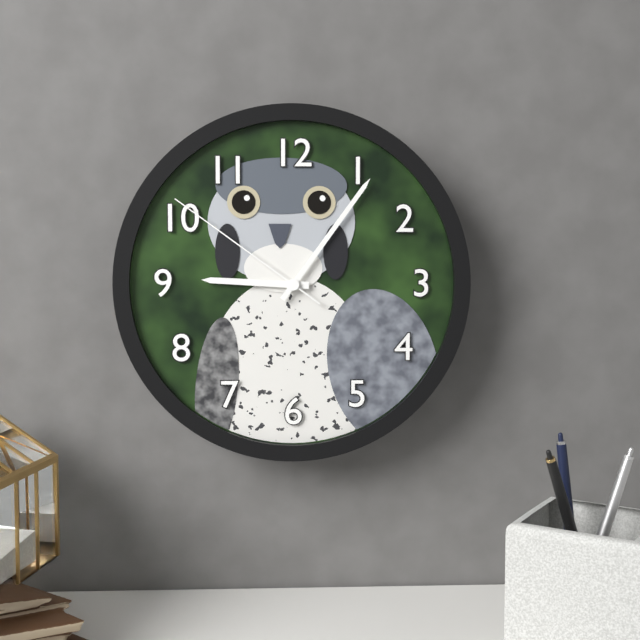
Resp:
**9:06:51**
